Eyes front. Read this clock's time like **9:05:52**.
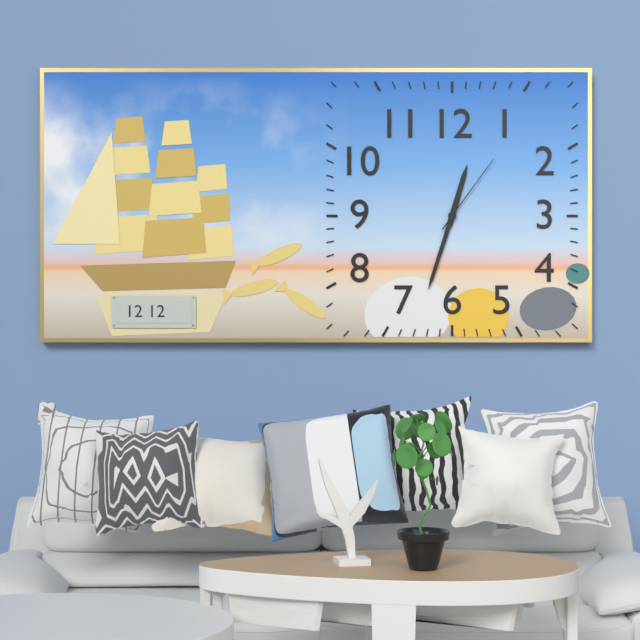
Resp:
**12:33:06**
